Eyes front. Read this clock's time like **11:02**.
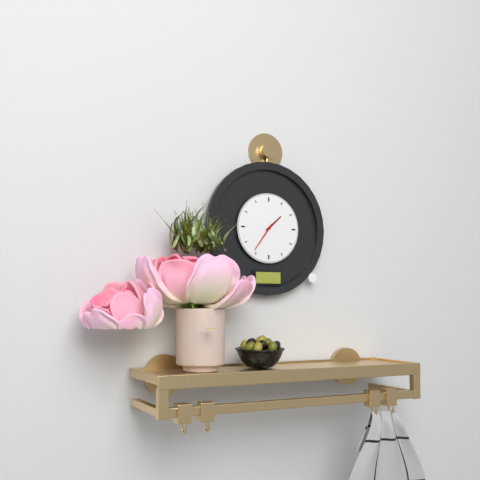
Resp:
**1:36**
